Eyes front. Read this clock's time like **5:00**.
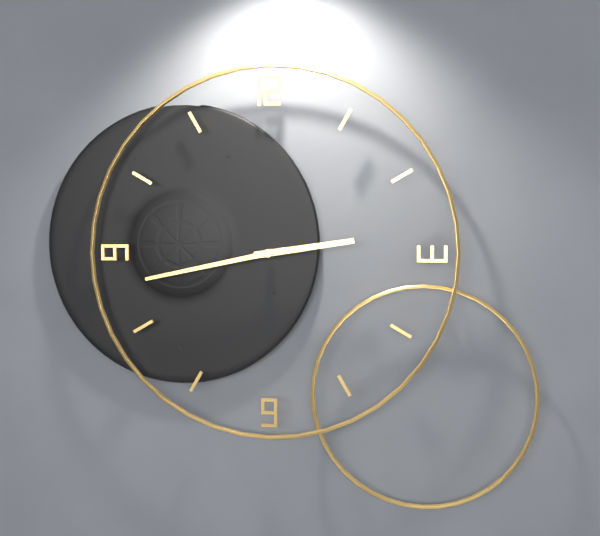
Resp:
**2:43**
